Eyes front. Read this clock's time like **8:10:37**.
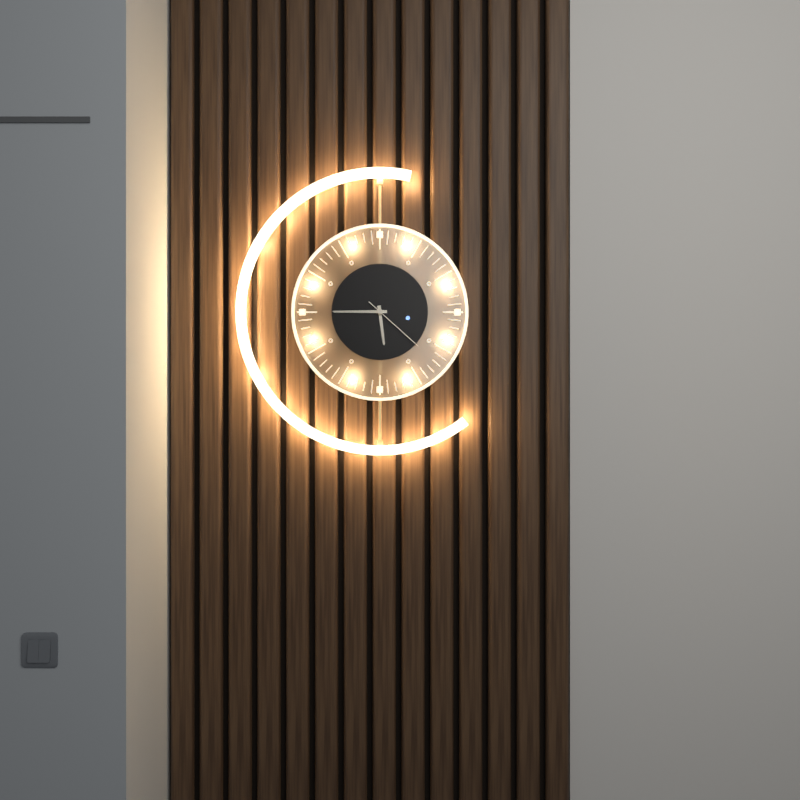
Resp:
**5:45:22**
